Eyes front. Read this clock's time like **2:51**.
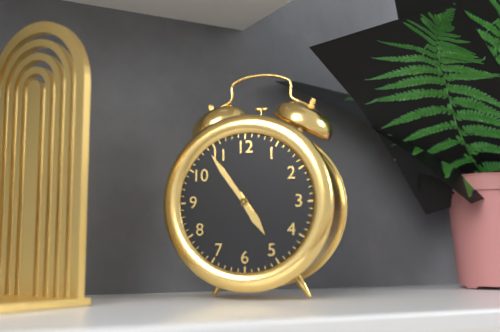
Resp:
**4:54**
